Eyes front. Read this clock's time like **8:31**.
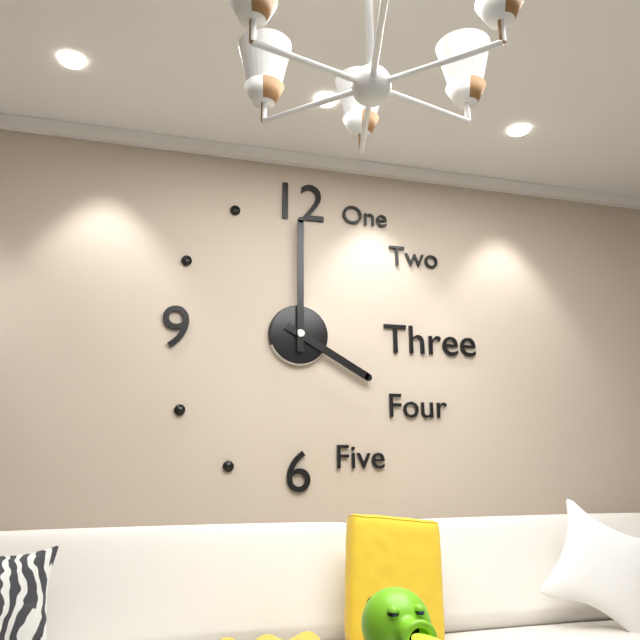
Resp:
**4:00**
